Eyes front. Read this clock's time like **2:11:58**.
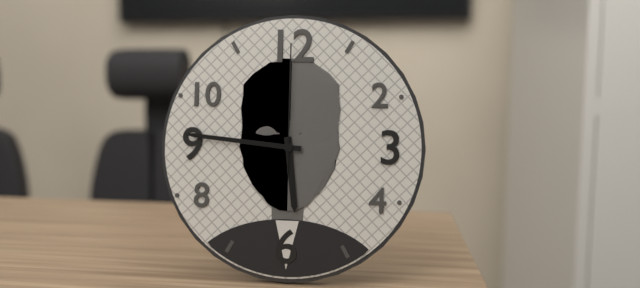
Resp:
**5:46:00**
